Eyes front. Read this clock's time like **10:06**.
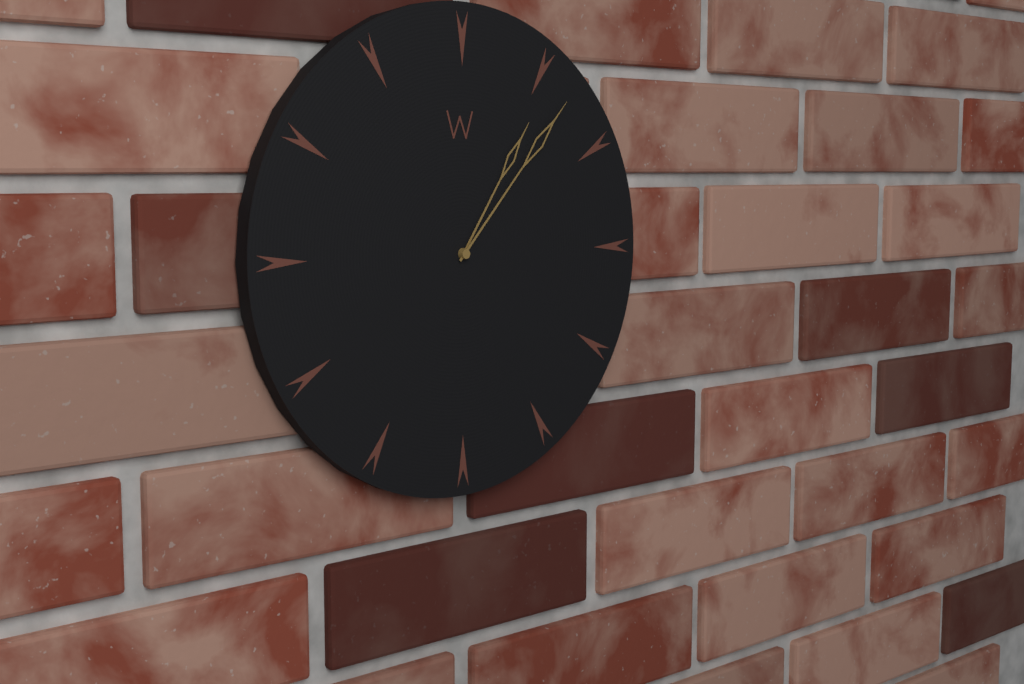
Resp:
**1:07**
